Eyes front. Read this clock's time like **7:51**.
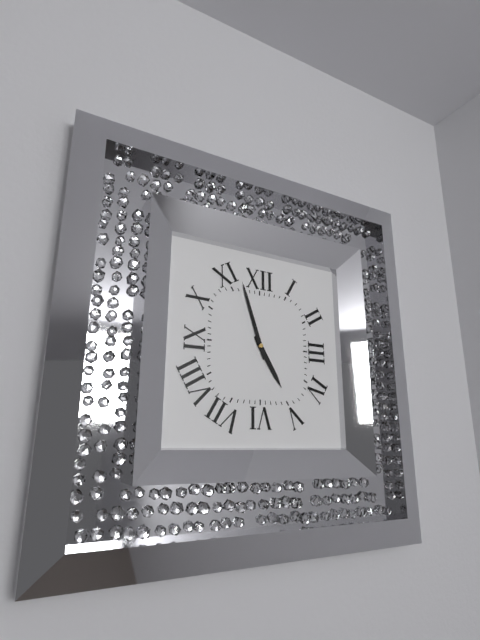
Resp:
**4:57**
